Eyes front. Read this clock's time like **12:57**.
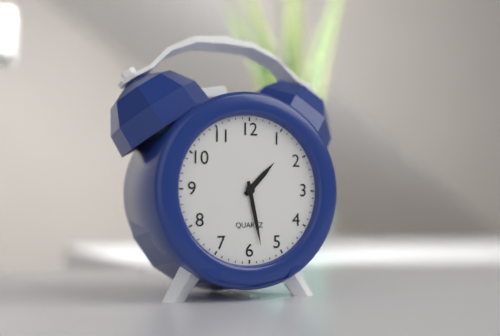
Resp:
**1:28**
